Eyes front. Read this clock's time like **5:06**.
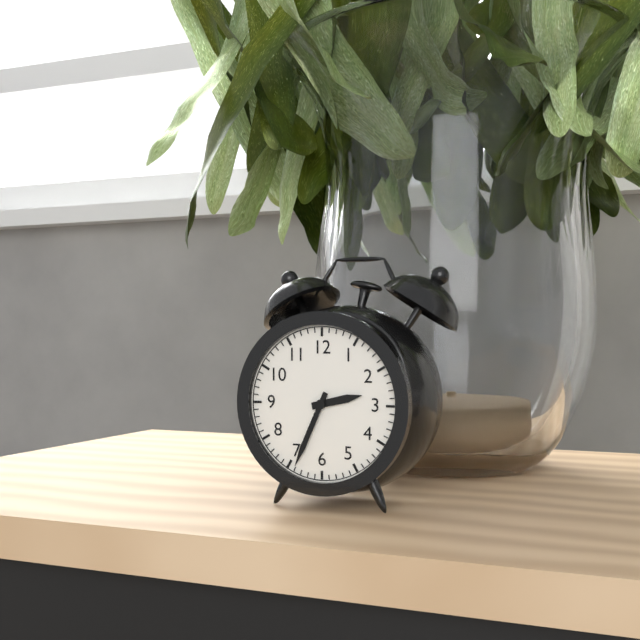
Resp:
**2:34**
